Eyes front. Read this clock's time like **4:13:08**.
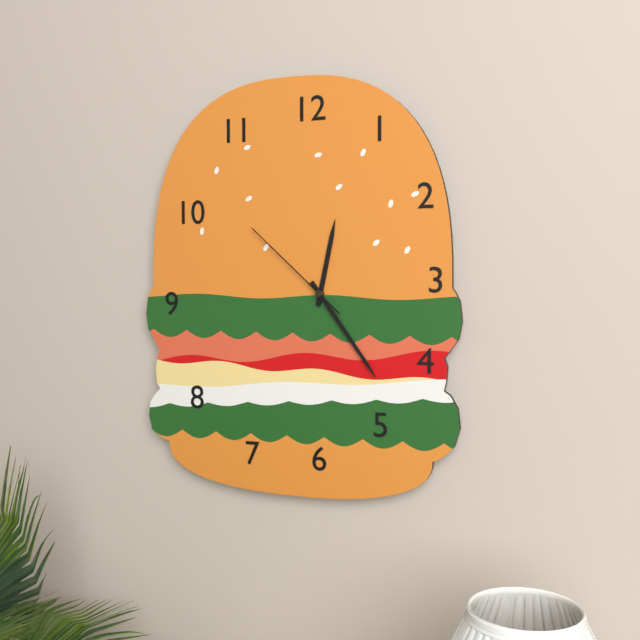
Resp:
**12:24:52**
